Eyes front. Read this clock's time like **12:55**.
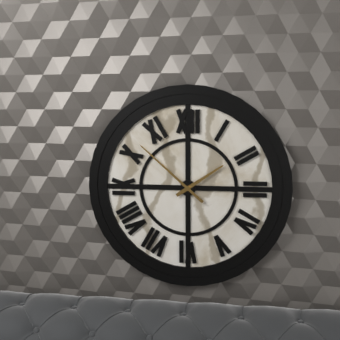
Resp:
**1:52**
